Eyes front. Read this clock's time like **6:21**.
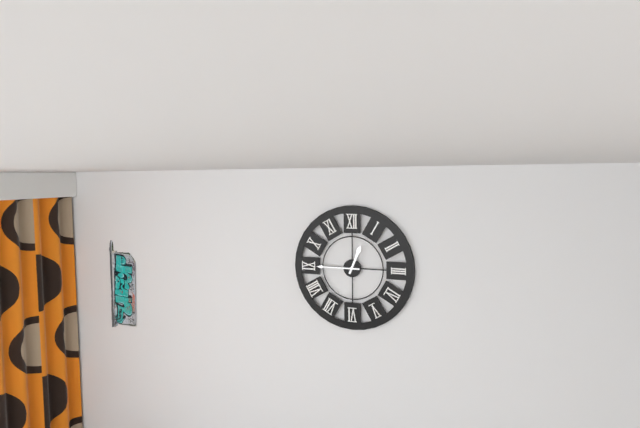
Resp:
**12:45**
